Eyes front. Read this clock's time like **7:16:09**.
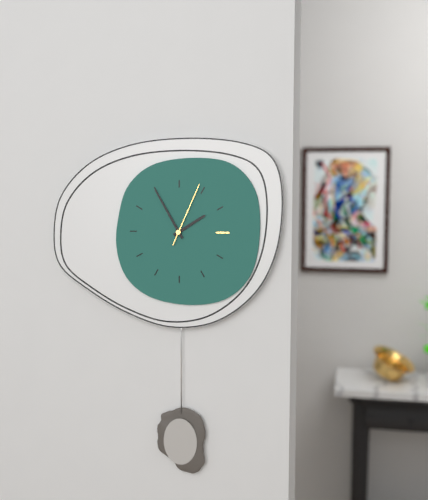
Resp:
**1:55:04**
